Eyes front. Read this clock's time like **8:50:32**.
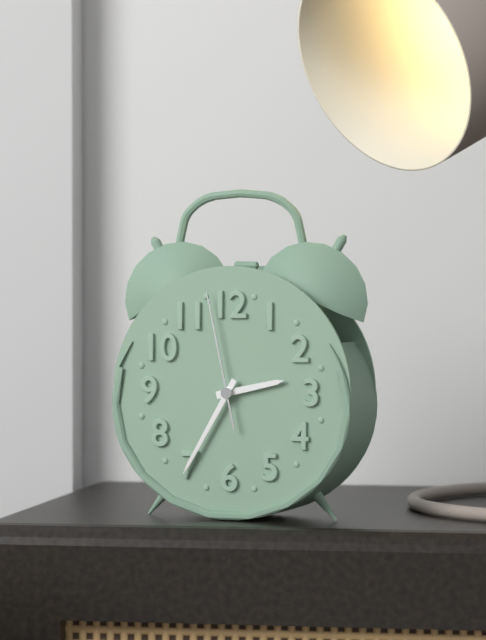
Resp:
**2:35:58**
